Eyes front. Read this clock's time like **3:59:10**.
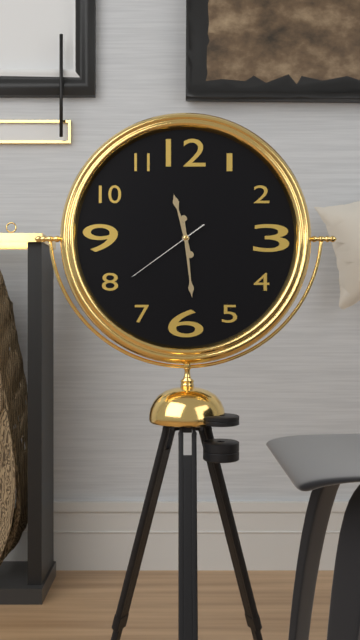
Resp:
**11:29:39**
